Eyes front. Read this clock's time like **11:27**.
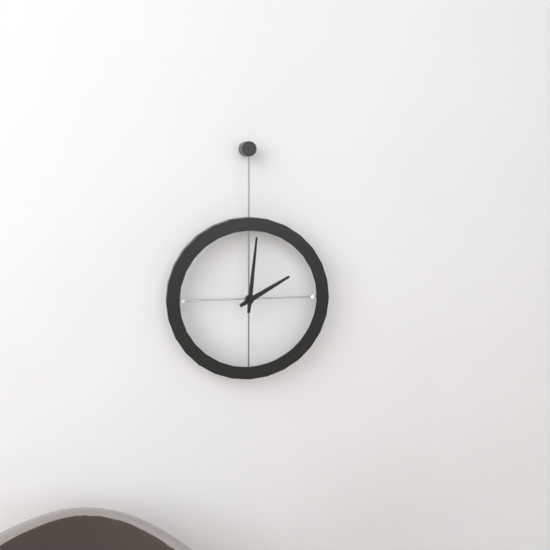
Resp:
**2:01**
